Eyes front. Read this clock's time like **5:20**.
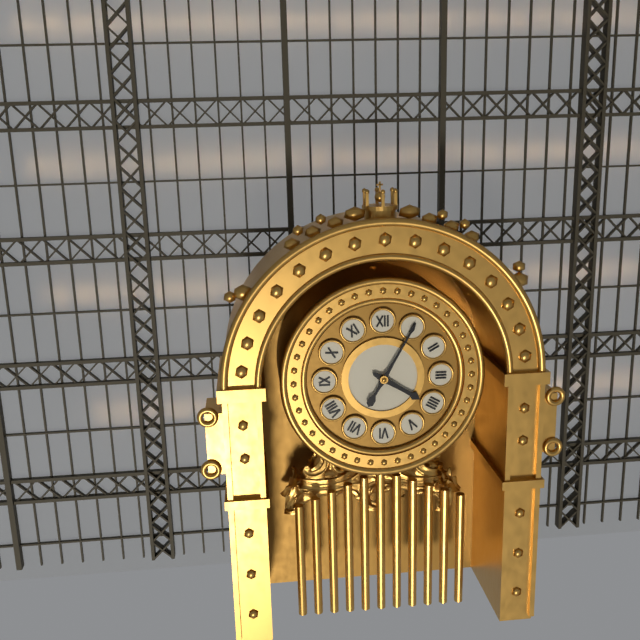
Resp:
**4:05**
